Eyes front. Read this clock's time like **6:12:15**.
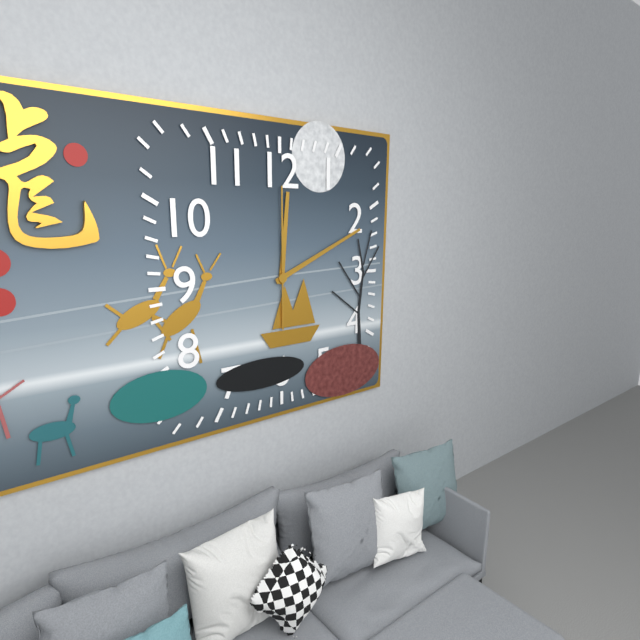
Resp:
**12:11:00**
